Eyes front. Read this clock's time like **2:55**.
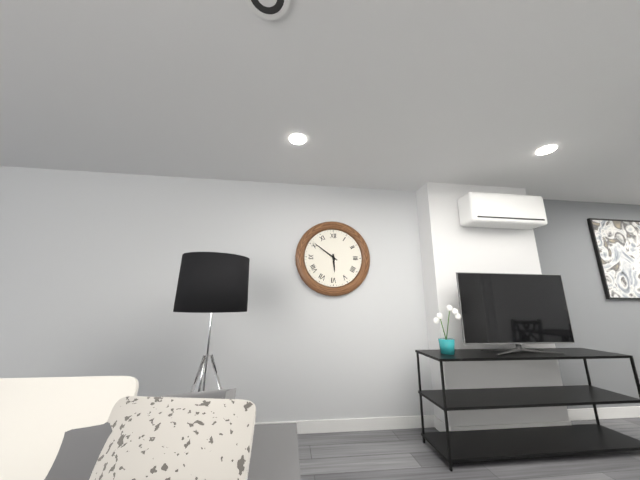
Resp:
**5:51**
